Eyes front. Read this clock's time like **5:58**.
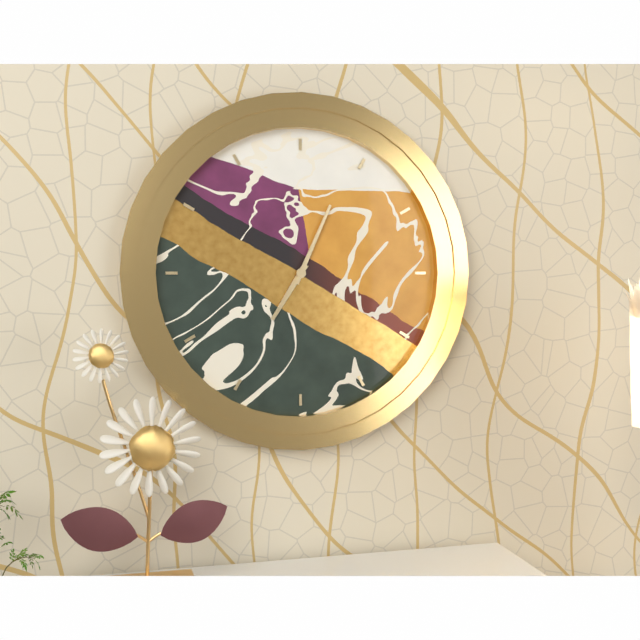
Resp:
**7:04**
